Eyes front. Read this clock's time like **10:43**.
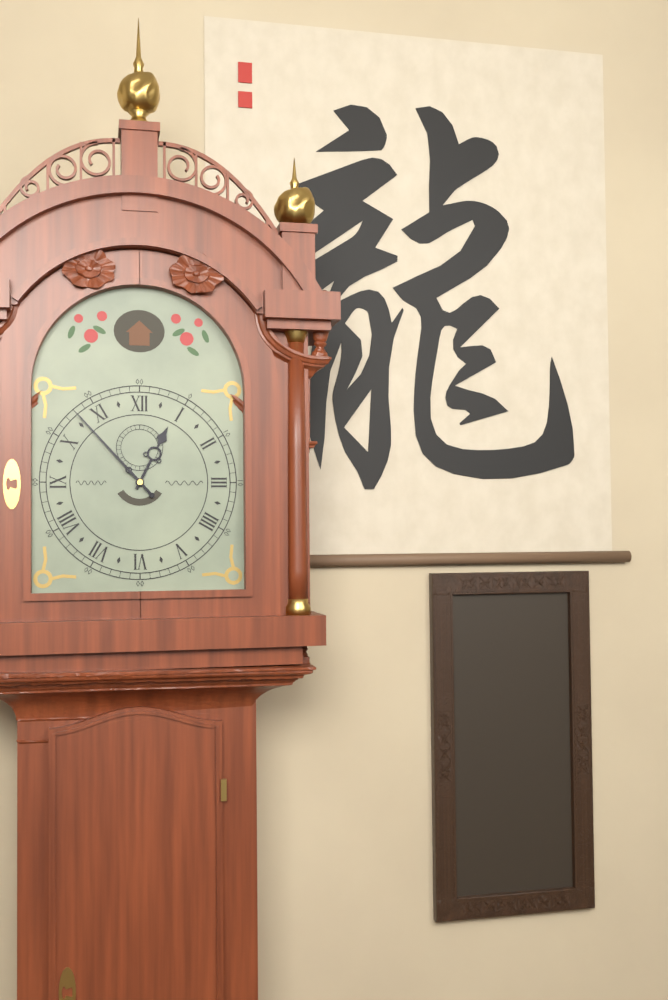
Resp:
**12:53**
